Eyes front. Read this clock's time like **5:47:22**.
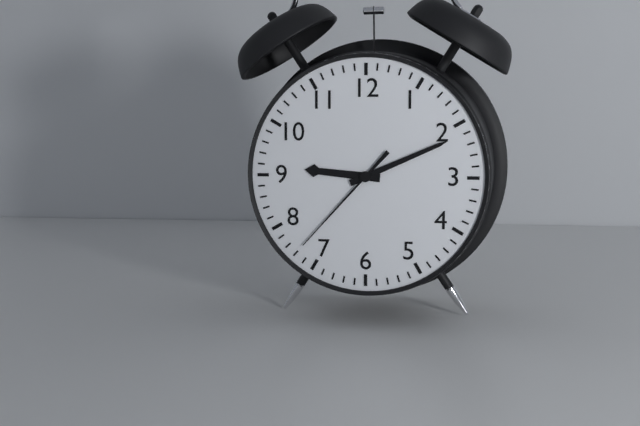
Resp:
**9:11:37**
